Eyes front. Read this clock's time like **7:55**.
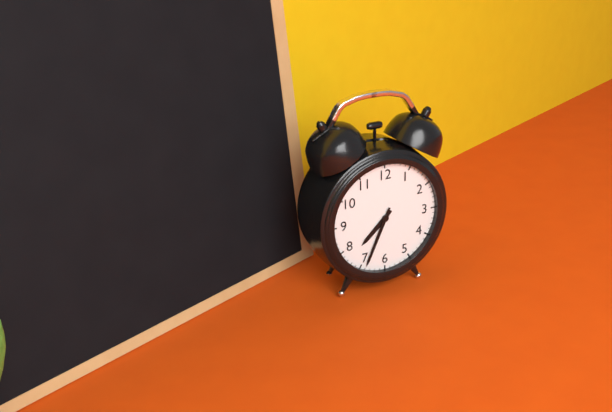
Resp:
**7:34**
